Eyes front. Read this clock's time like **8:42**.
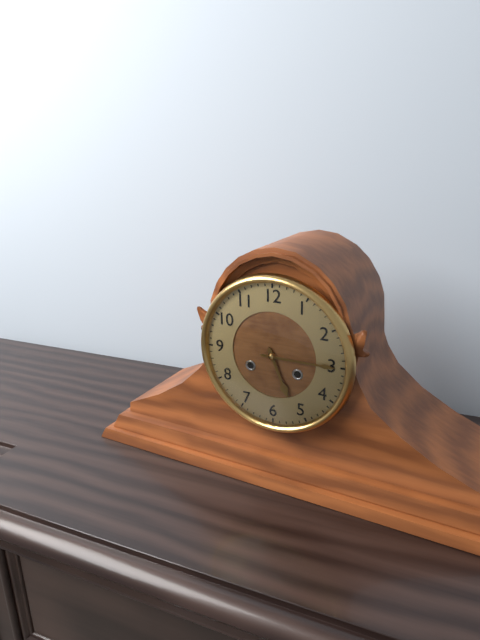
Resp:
**5:15**
